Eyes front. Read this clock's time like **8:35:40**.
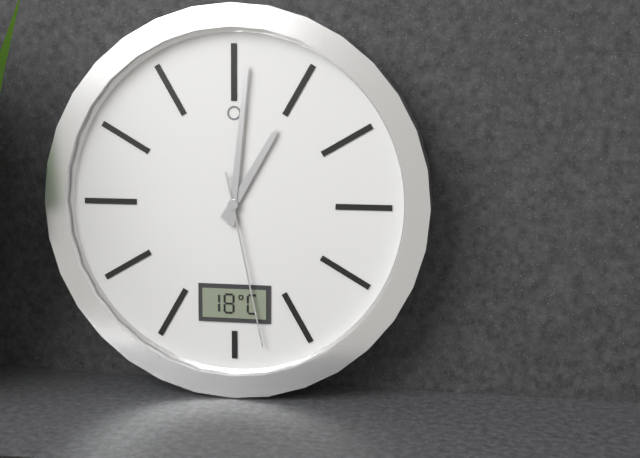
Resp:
**1:01:28**
